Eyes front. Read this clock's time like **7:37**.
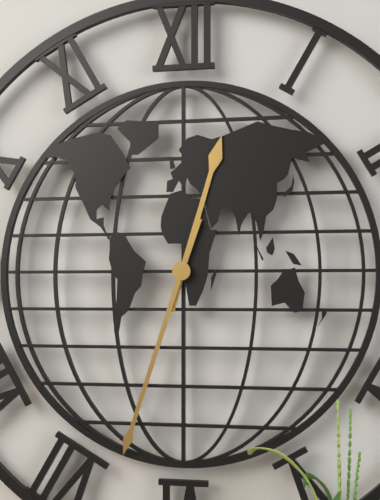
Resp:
**12:33**
